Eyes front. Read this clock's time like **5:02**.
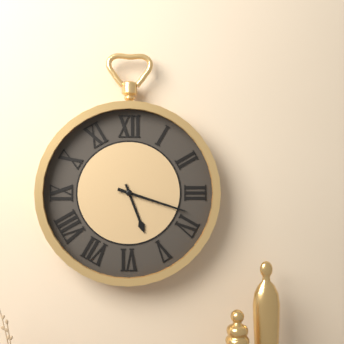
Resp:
**5:18**
